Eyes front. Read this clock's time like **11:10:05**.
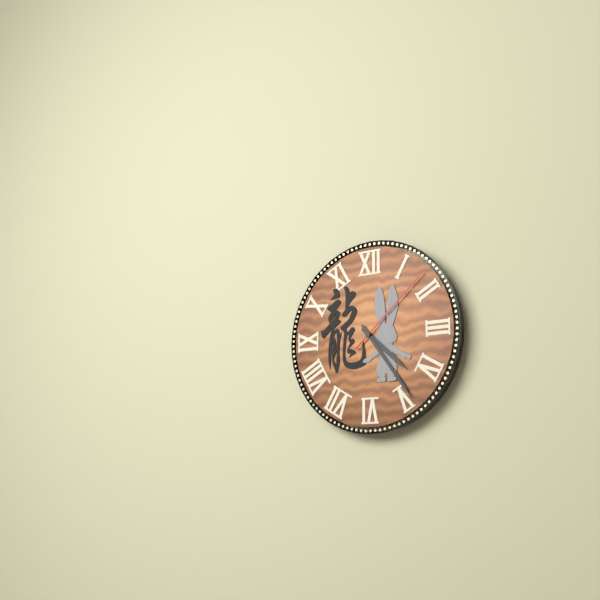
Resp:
**4:24:08**
